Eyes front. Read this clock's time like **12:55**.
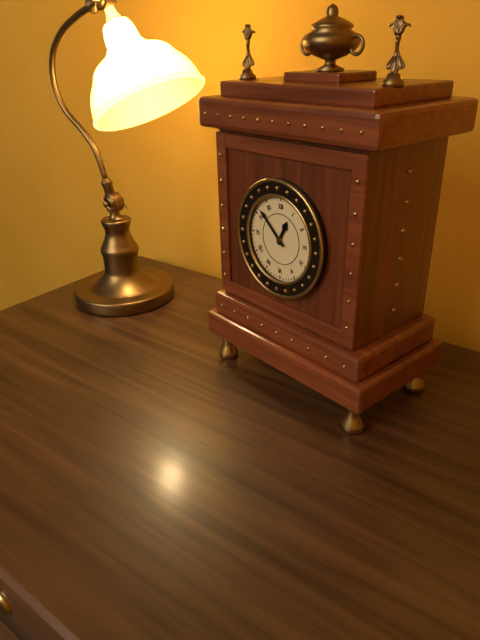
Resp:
**12:52**
